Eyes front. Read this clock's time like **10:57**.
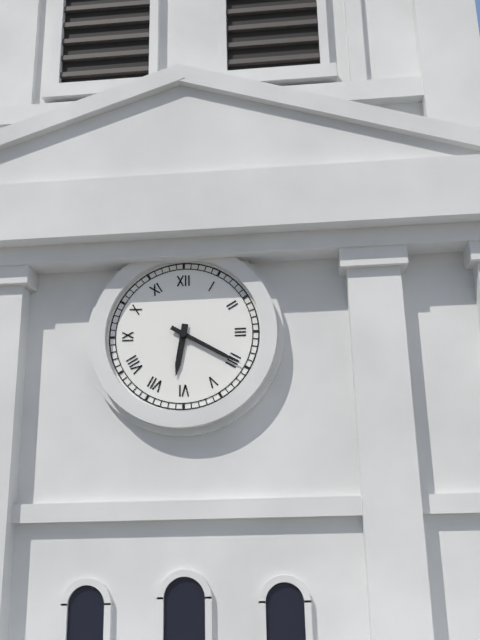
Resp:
**6:20**
